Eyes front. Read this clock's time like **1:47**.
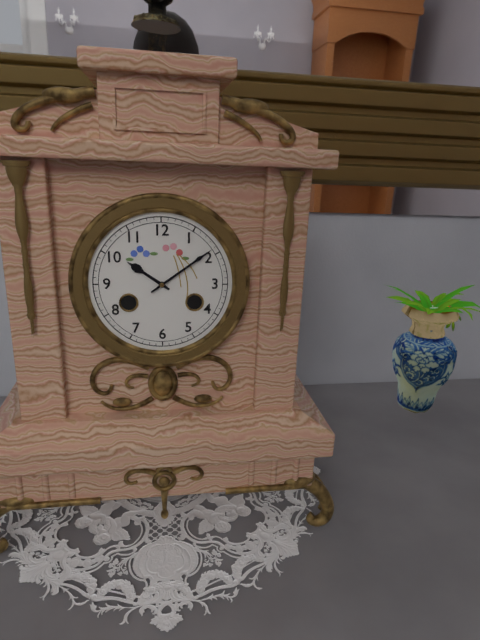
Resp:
**10:09**
